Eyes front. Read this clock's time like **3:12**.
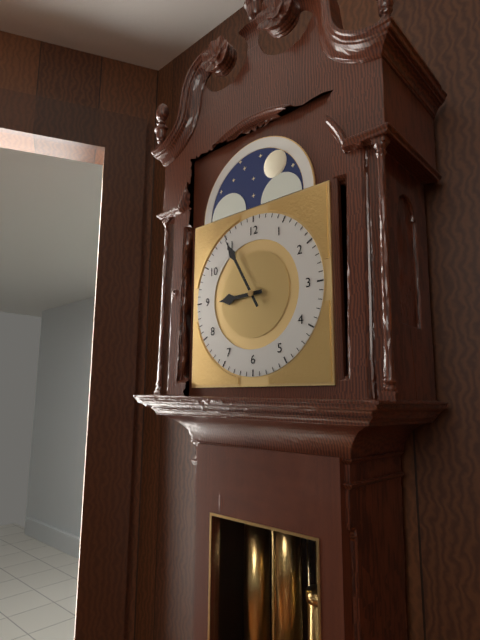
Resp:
**8:55**
